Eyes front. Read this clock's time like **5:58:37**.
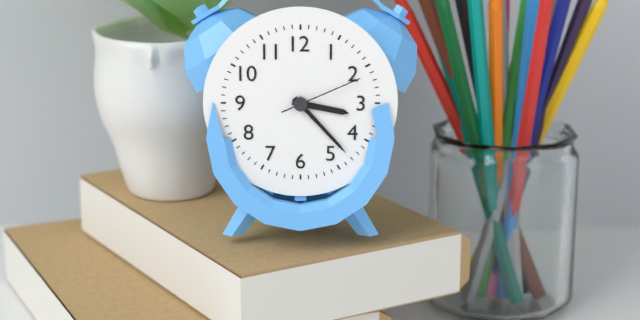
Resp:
**3:23:11**
